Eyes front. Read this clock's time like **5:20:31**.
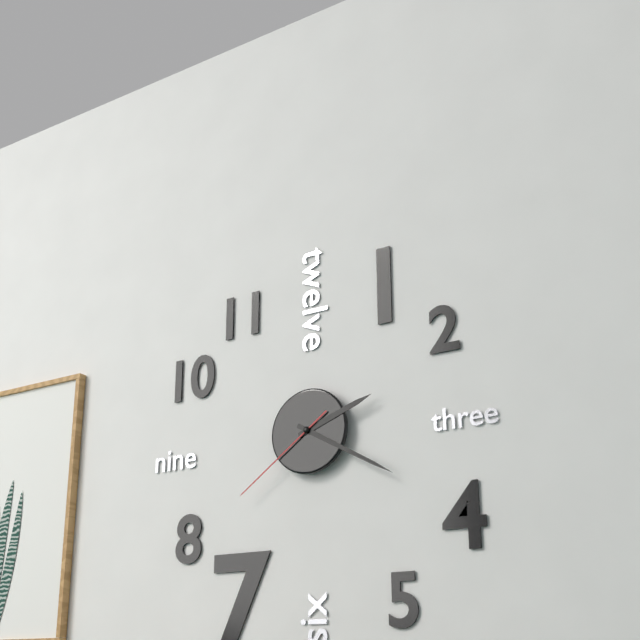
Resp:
**2:20:39**
